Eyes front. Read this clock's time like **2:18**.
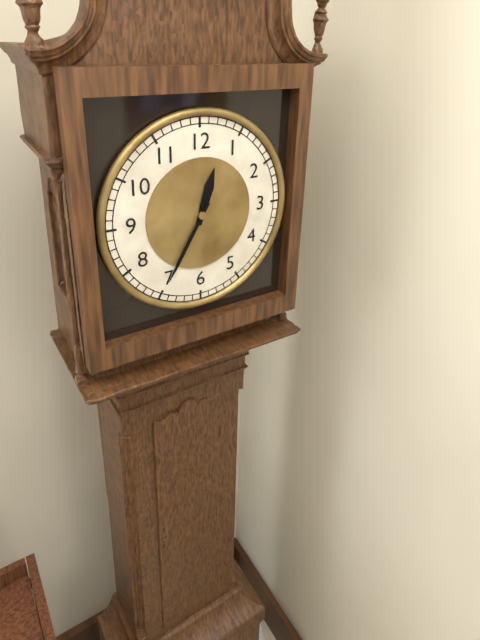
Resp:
**12:35**
